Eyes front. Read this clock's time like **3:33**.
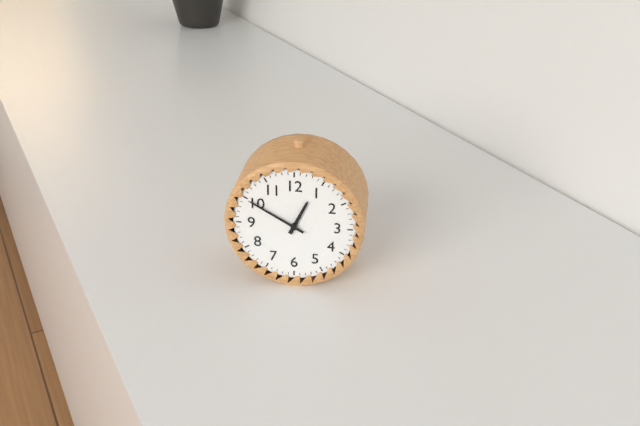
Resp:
**12:50**
